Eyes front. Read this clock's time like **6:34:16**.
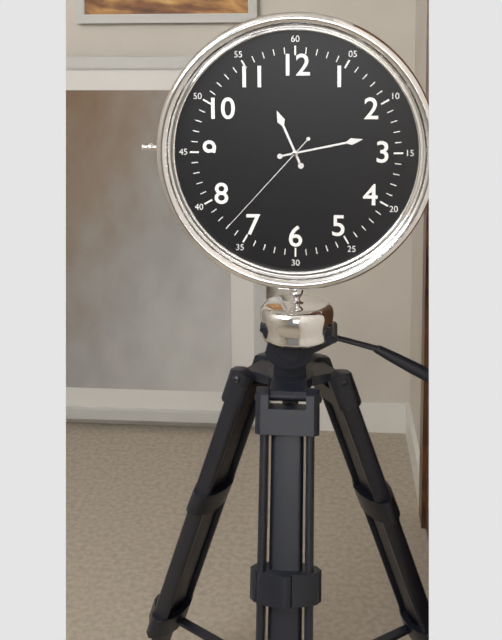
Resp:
**11:13:37**
